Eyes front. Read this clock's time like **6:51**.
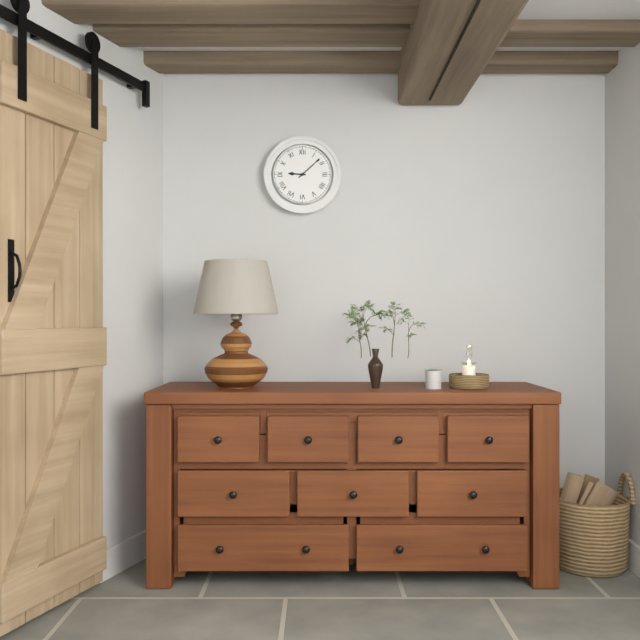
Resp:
**9:08**
